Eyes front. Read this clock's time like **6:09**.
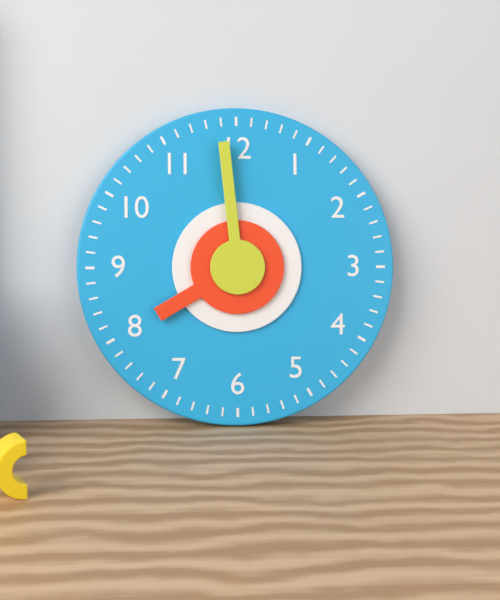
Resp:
**7:59**
